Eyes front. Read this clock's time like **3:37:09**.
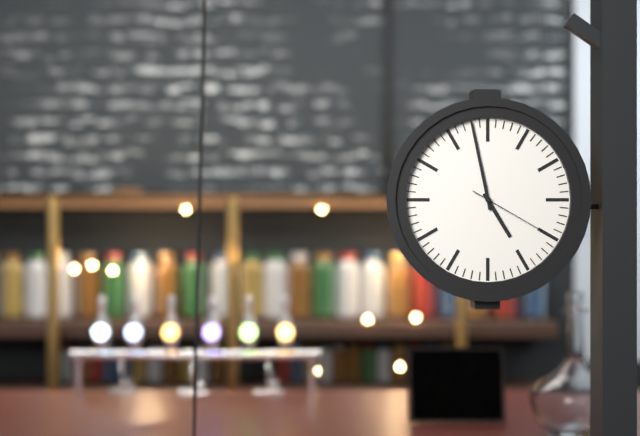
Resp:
**4:58:20**
